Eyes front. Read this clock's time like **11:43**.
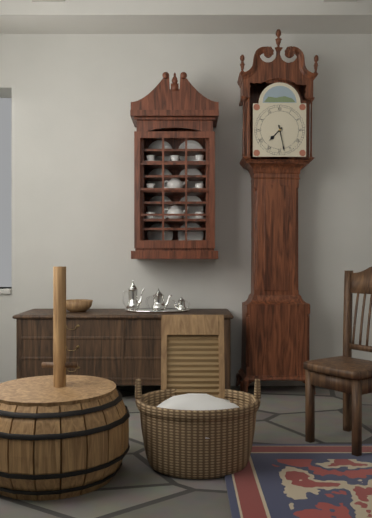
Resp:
**7:28**
